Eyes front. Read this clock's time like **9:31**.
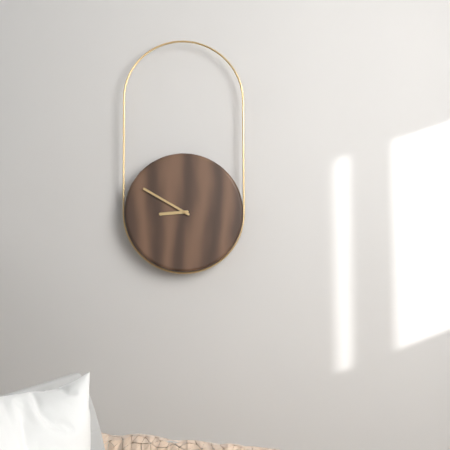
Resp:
**8:50**
